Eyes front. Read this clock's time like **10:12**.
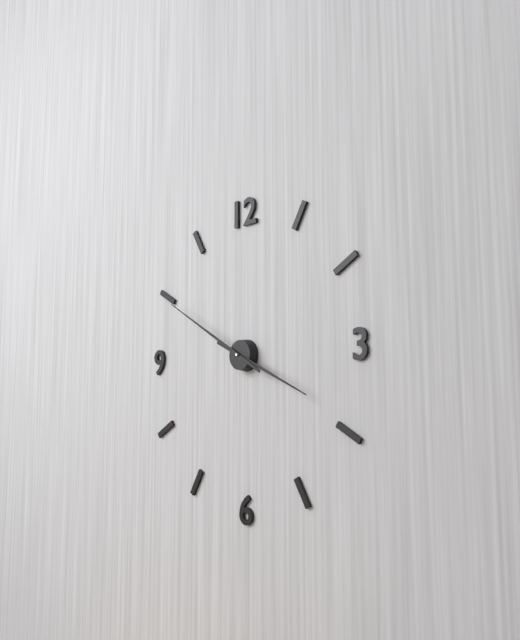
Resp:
**3:50**
